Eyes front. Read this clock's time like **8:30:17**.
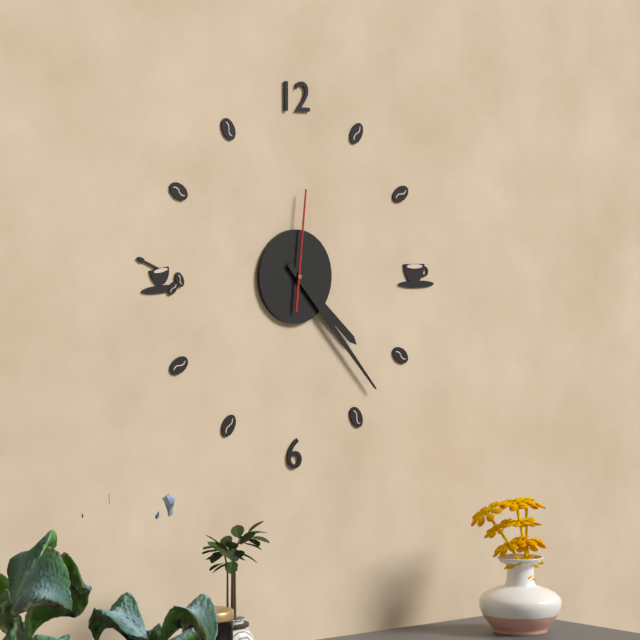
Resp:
**4:23:01**
